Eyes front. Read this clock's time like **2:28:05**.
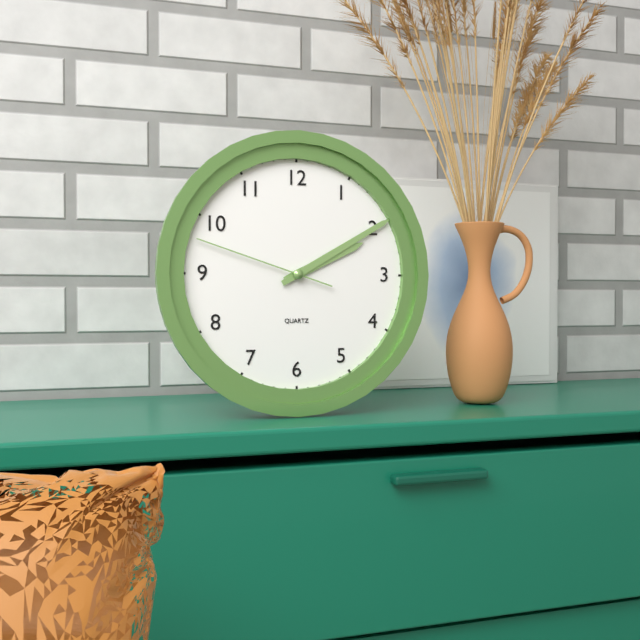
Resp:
**2:10:48**
